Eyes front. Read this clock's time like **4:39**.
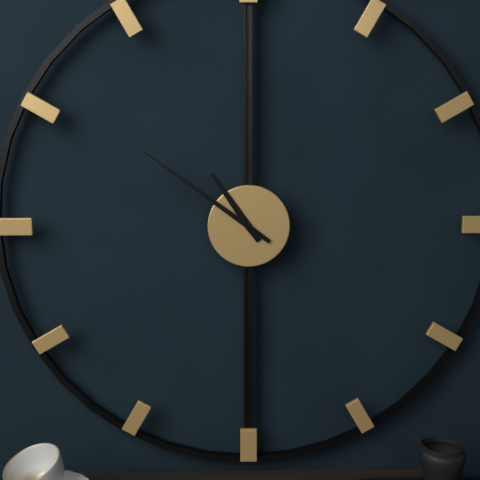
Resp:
**10:51**
